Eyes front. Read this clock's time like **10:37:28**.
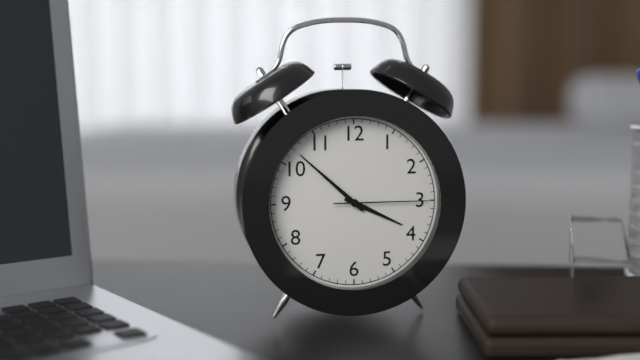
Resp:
**3:52:15**
